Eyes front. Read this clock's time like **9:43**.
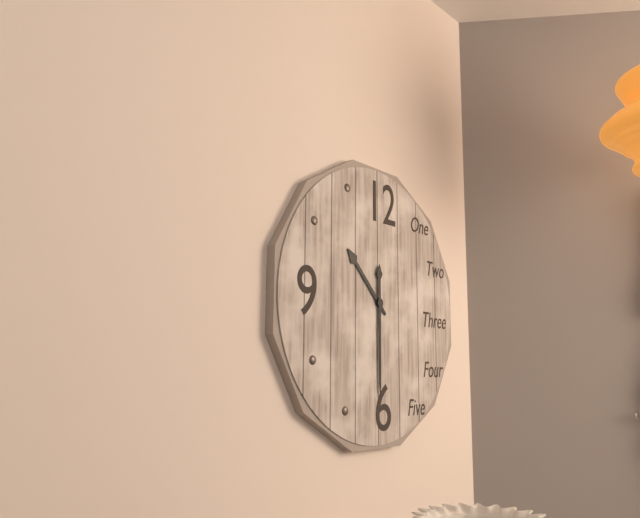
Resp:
**10:30**
